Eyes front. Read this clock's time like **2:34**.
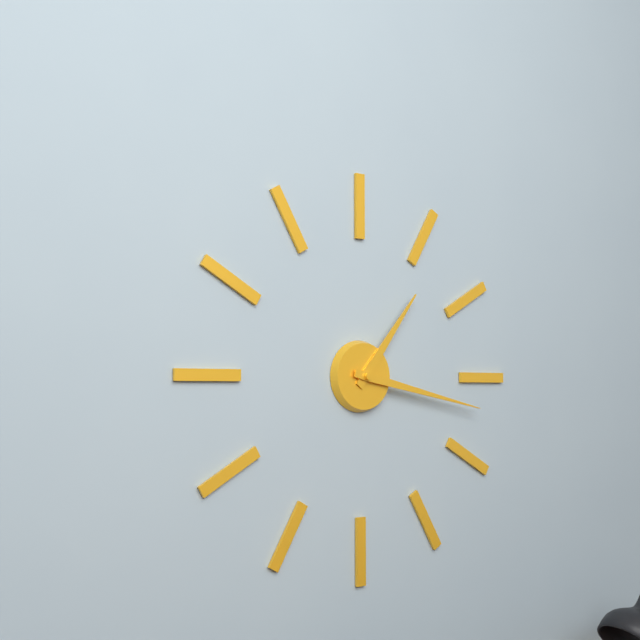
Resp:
**1:17**
